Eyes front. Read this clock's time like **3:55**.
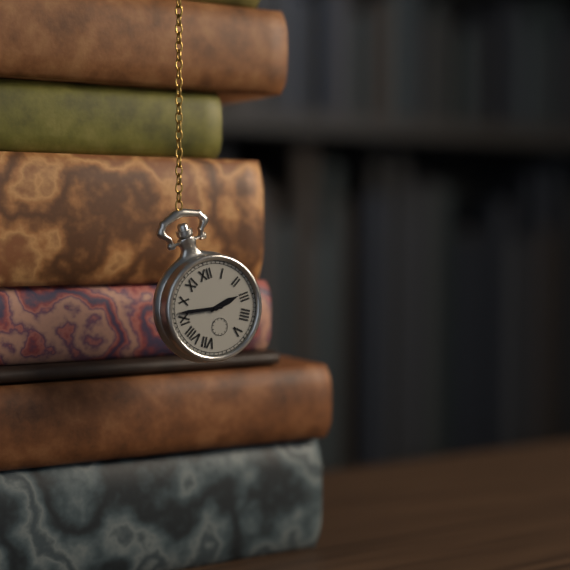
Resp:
**2:47**
